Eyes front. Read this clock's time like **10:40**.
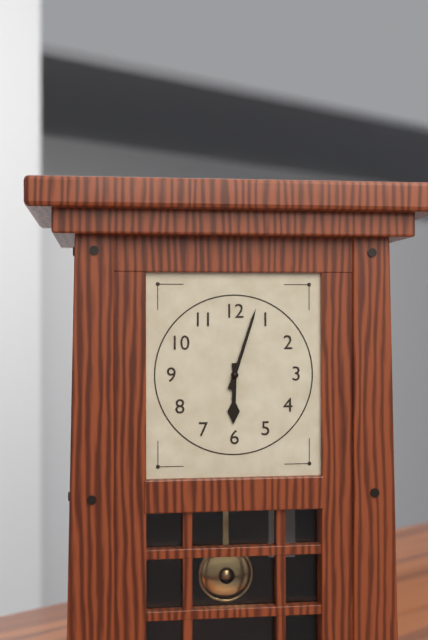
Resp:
**6:03**
